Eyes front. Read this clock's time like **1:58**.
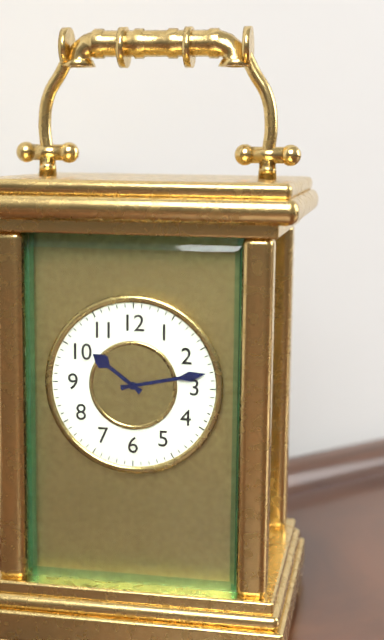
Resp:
**10:13**
